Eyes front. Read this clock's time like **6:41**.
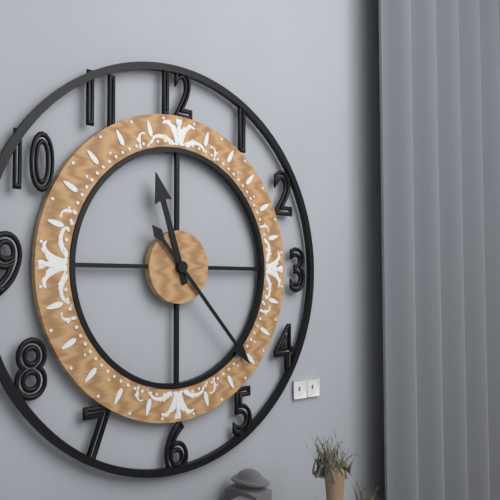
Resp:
**11:23**
